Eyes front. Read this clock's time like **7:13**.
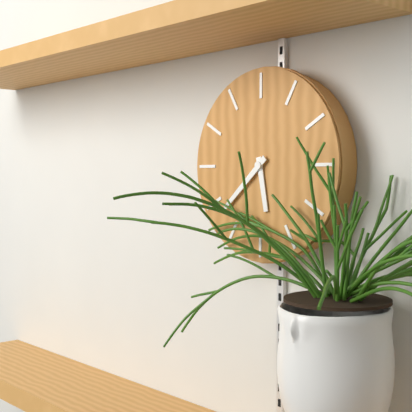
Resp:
**5:38**
